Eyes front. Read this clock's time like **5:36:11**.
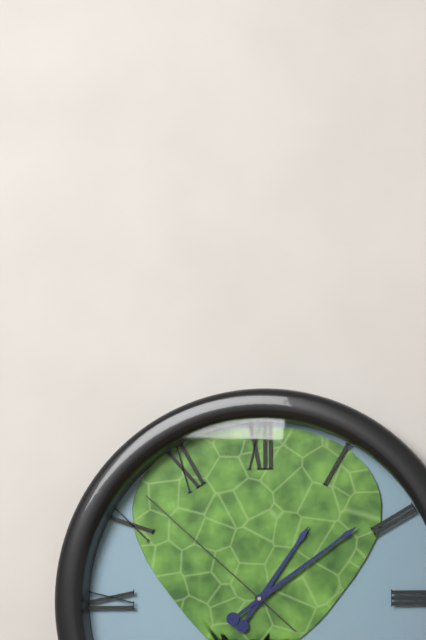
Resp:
**1:09:52**
